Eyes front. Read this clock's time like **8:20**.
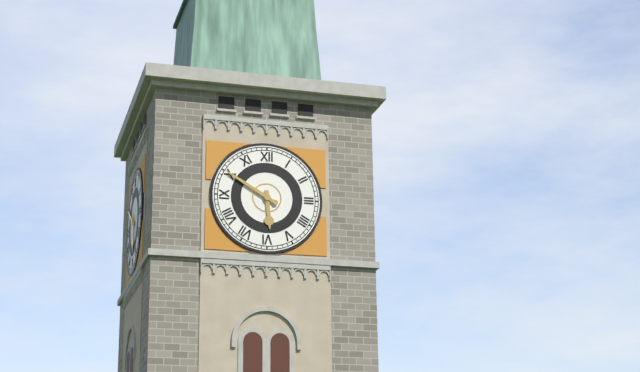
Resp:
**5:50**
